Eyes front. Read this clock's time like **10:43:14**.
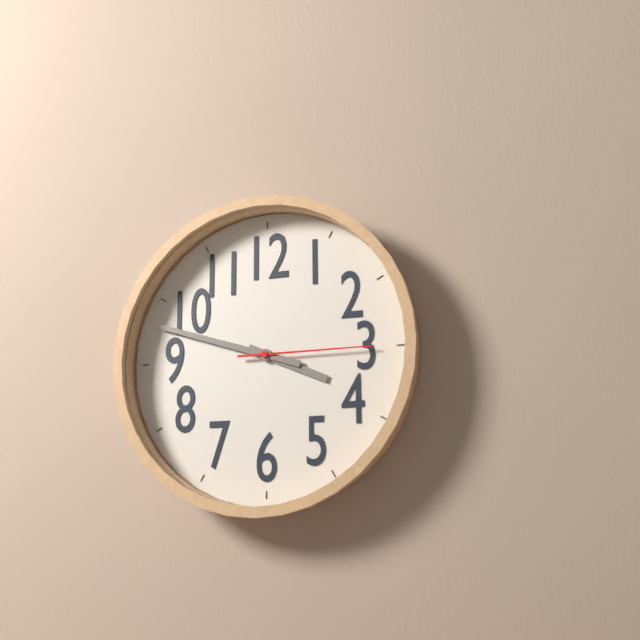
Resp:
**3:48:15**
